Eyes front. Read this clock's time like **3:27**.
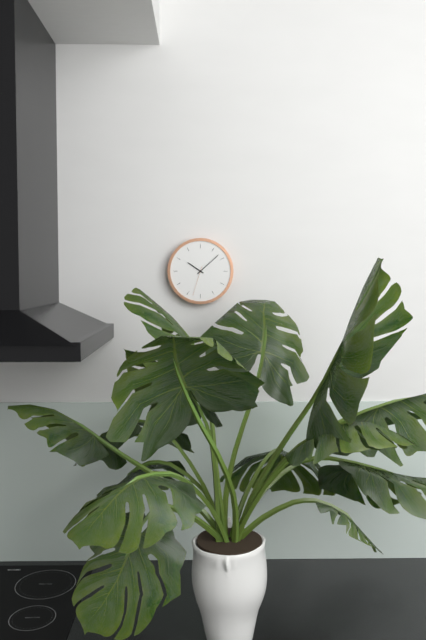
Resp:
**10:08**
